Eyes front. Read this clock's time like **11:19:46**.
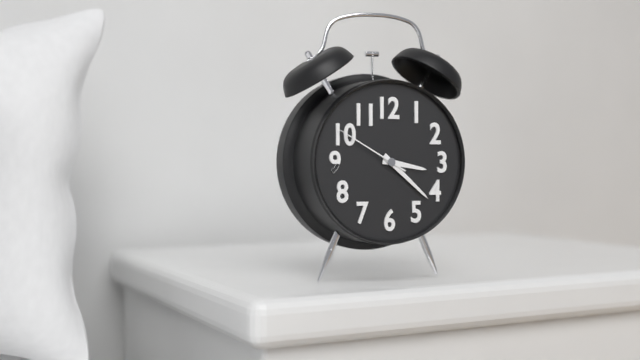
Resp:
**3:22:50**
